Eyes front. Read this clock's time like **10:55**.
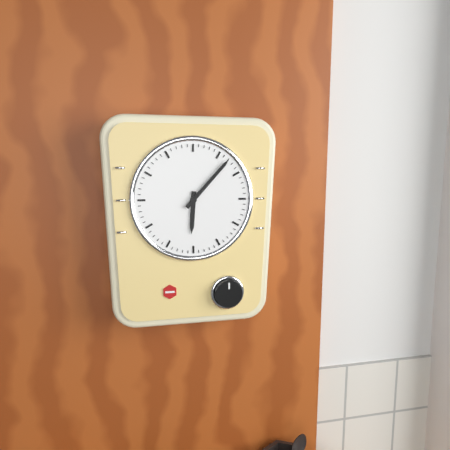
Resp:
**6:07**
